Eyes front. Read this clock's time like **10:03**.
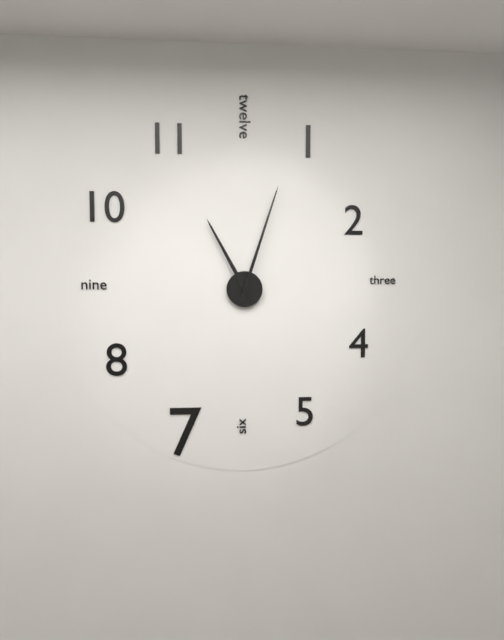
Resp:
**11:03**
